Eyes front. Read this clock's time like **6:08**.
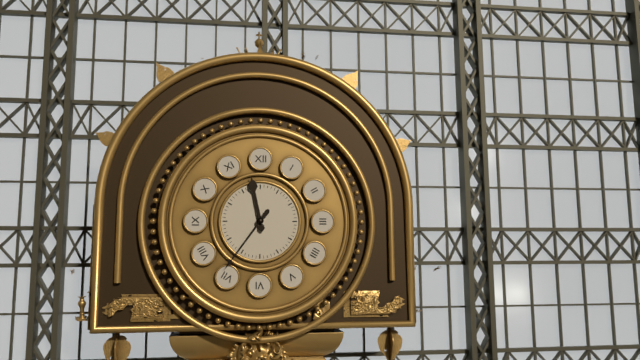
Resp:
**11:36**
